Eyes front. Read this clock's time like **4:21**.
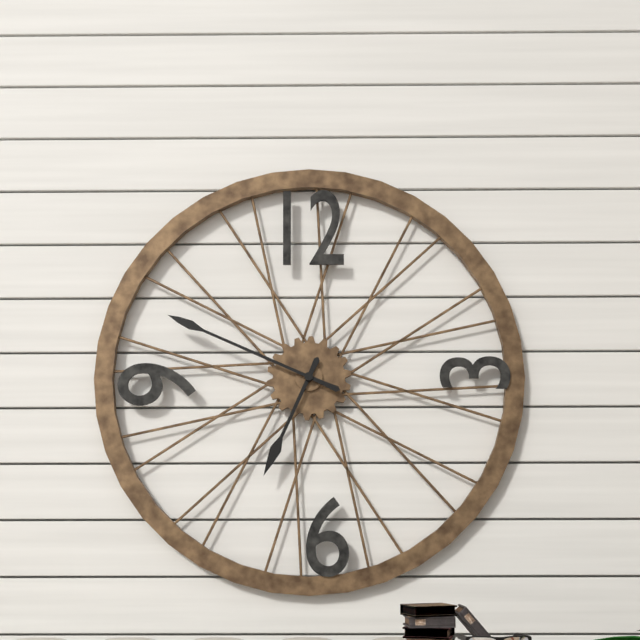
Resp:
**6:49**
